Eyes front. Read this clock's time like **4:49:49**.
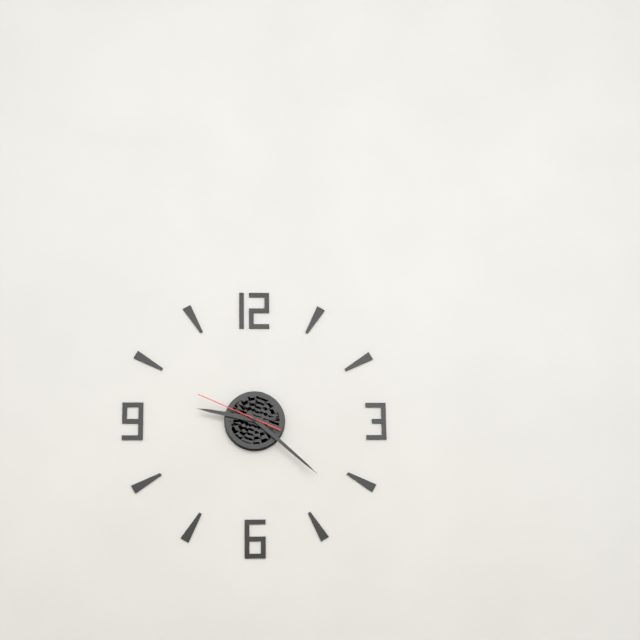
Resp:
**9:22:49**
